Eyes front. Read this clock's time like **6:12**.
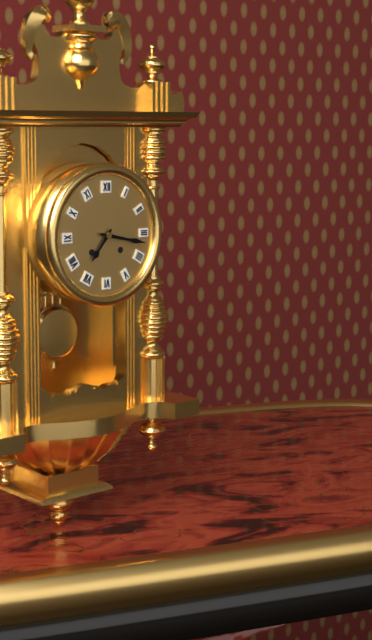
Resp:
**7:17**
